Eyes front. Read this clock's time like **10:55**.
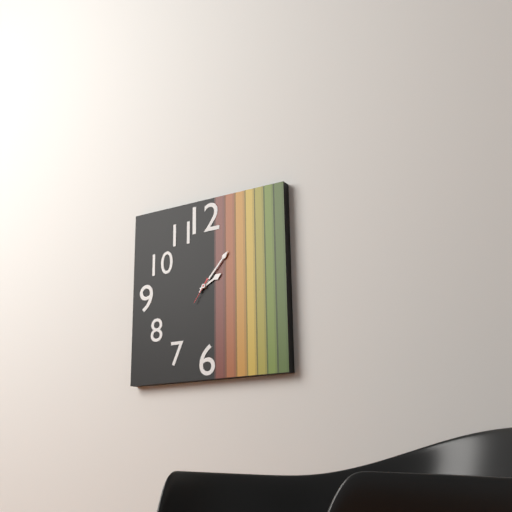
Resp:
**2:07**
